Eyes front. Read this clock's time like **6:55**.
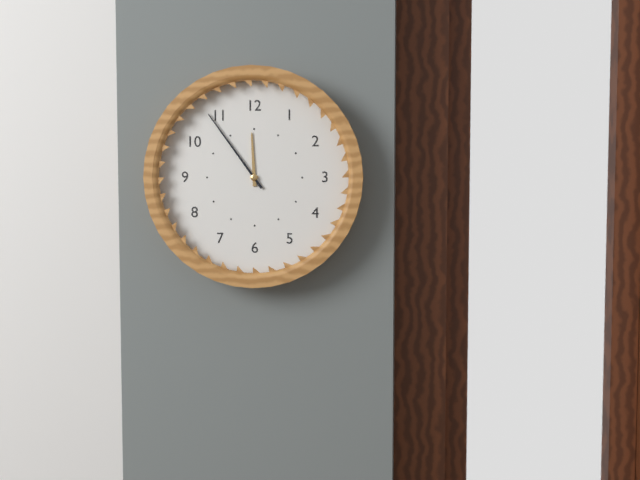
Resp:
**11:54**
